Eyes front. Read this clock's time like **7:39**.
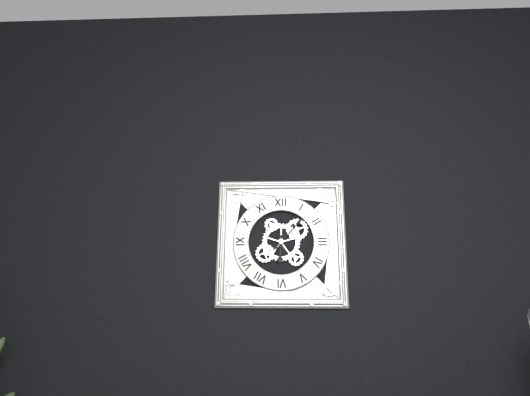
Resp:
**6:07**
